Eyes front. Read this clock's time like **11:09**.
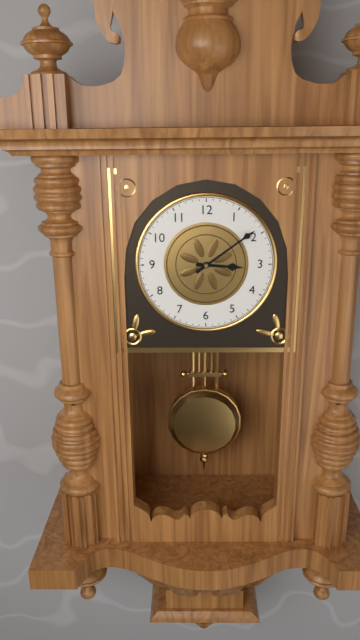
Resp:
**3:09**
